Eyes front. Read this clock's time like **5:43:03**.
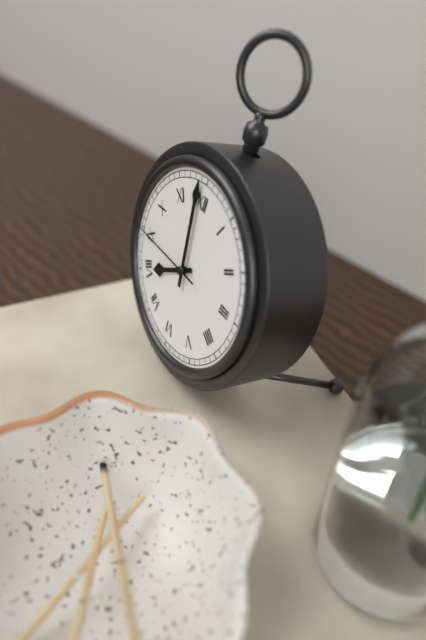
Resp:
**7:59:45**
